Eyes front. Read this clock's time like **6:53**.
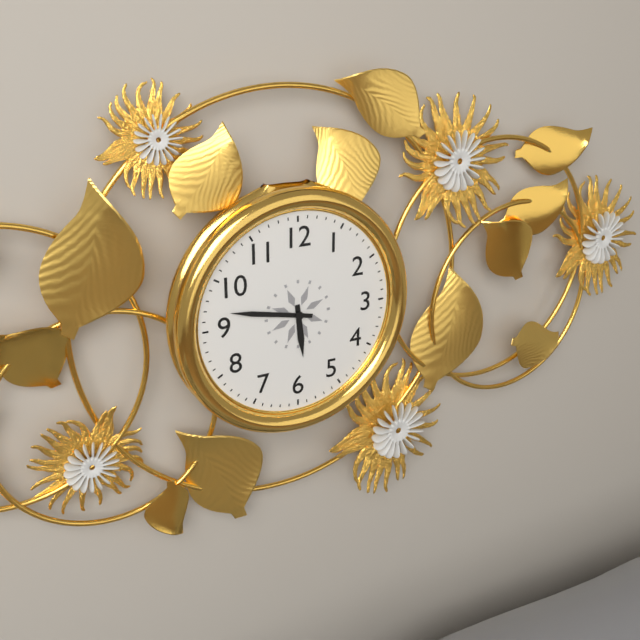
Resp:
**5:47**
